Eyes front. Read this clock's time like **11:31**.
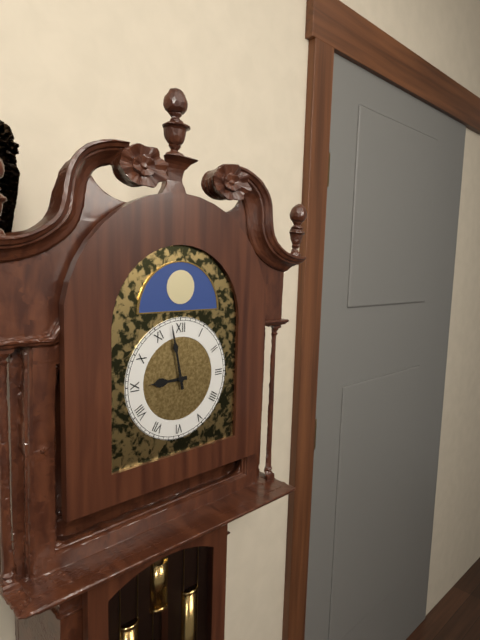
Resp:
**8:58**
